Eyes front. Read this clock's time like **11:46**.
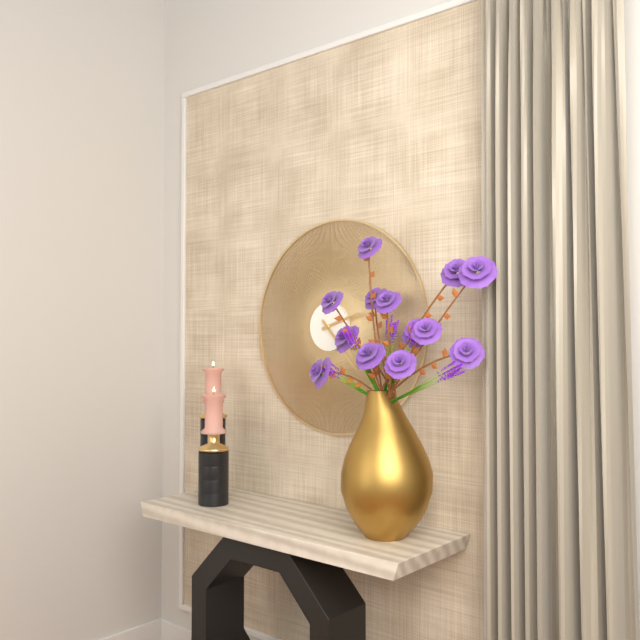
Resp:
**2:23**
